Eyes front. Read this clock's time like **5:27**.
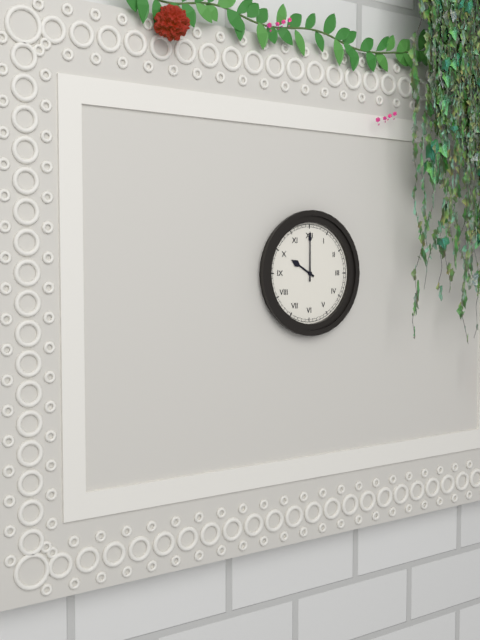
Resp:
**10:00**
